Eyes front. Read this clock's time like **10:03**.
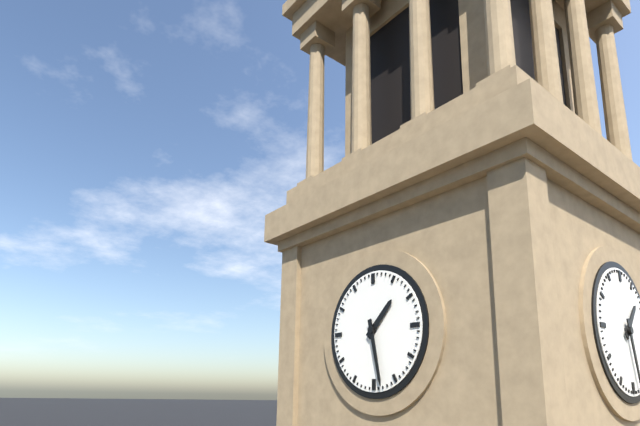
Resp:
**1:28**
